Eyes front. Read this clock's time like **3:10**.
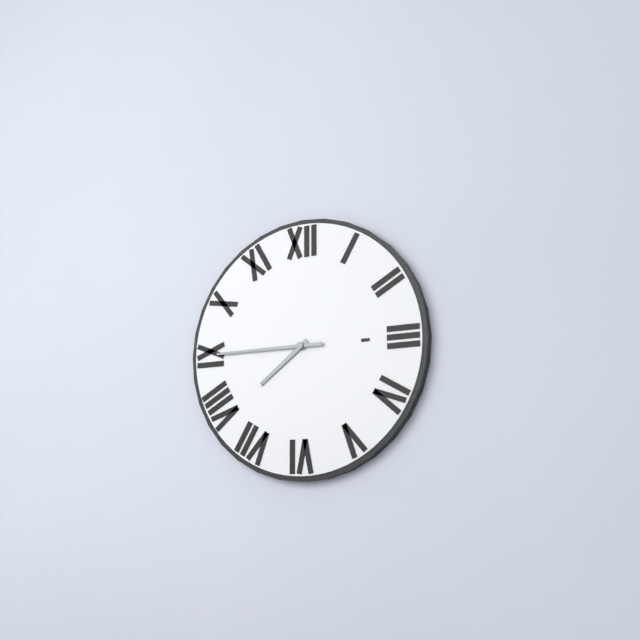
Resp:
**7:45**
